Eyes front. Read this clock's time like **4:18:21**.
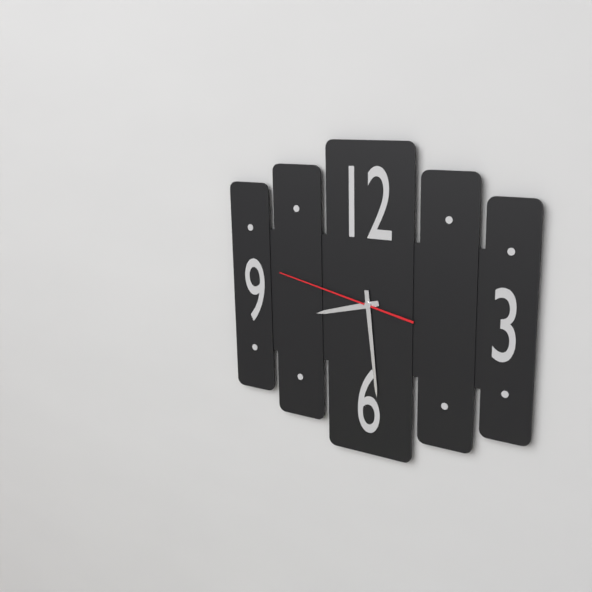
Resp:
**8:29:47**
